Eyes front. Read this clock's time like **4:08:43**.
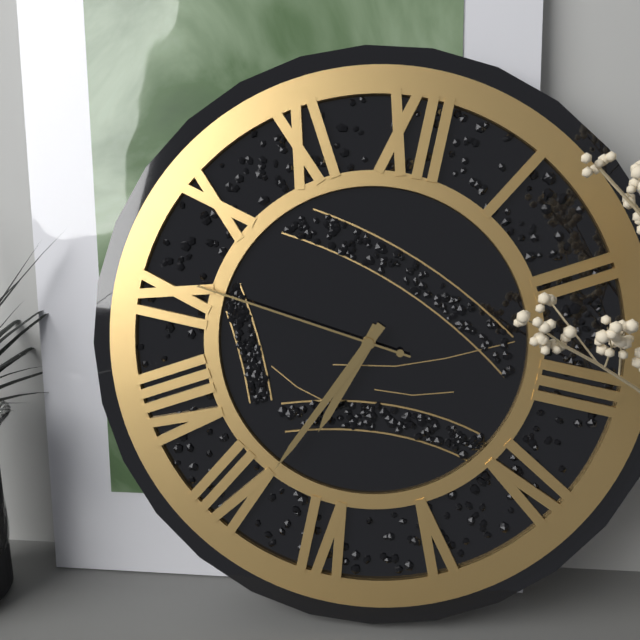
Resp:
**6:34:46**
